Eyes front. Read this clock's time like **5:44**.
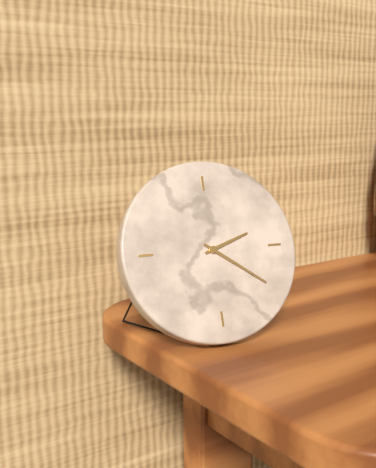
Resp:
**2:21**
